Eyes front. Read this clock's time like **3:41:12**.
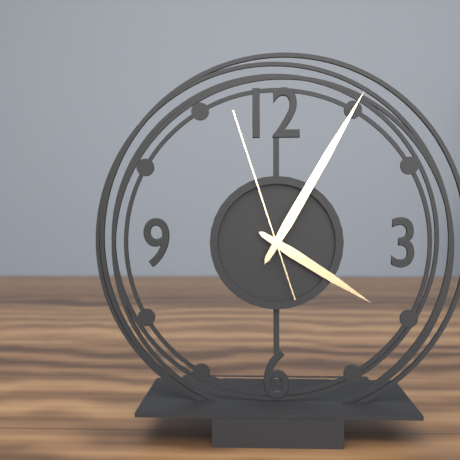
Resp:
**4:05:57**
